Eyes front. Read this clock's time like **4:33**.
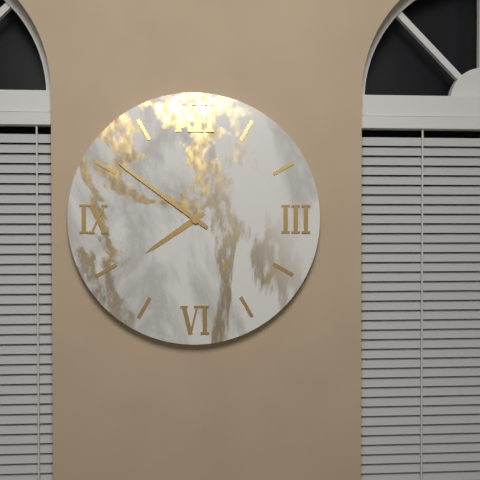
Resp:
**7:51**
